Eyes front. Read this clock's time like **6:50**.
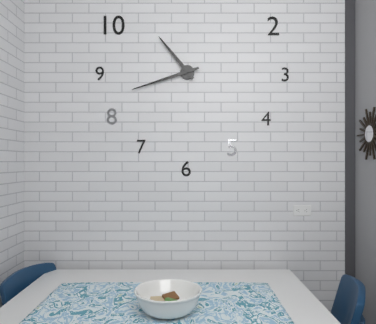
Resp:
**10:42**
